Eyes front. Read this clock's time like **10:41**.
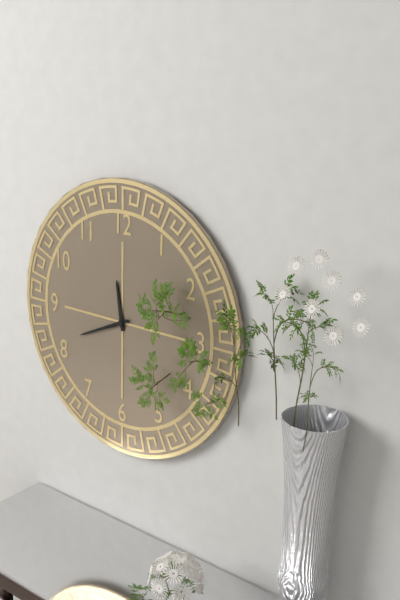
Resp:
**11:41**
